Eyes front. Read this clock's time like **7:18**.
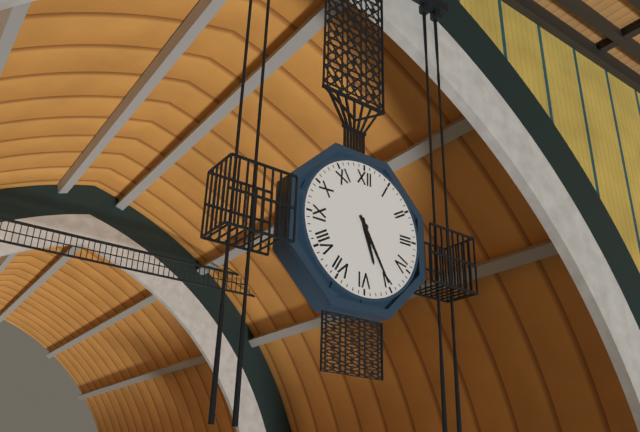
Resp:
**5:25**
